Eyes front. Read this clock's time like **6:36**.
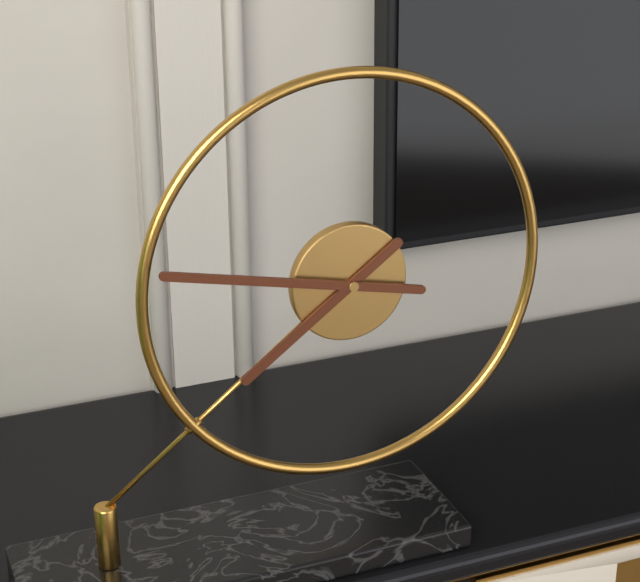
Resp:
**7:47**
